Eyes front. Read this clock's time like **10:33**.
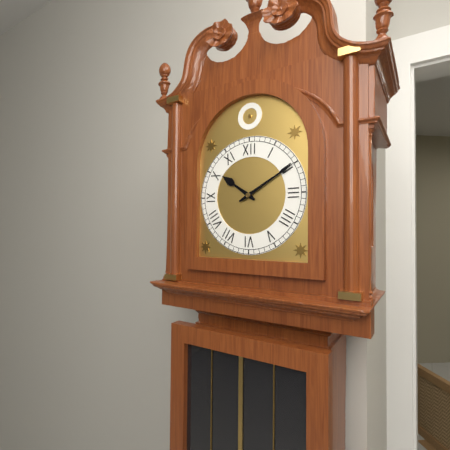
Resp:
**10:10**
